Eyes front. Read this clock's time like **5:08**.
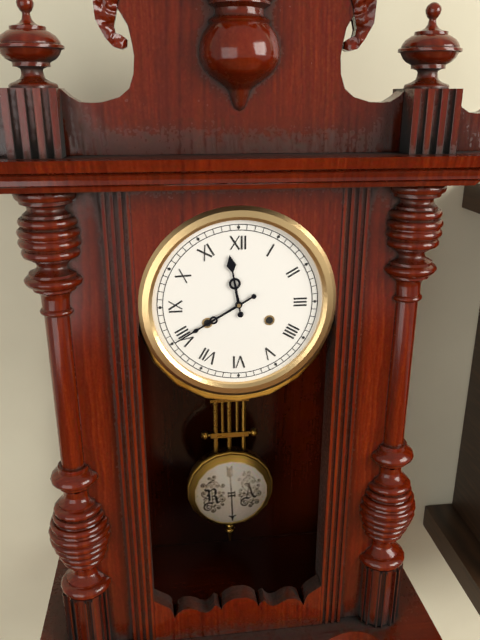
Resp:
**11:40**
